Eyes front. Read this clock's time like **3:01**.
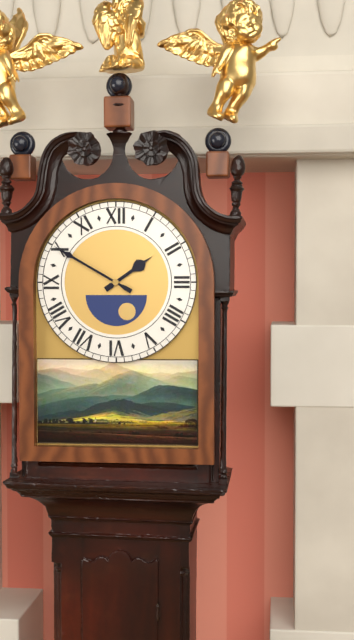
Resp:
**1:50**
